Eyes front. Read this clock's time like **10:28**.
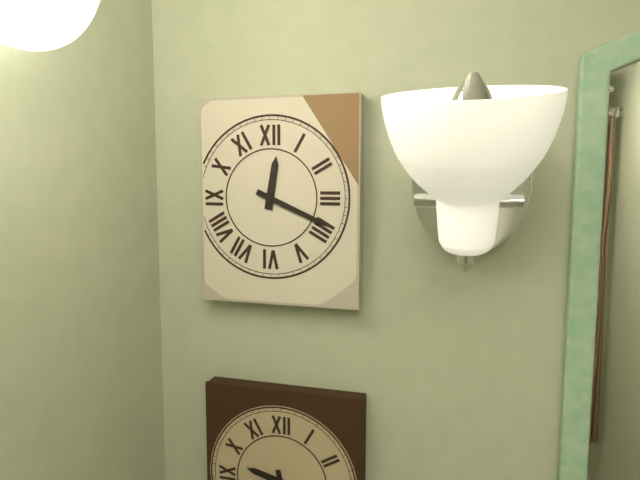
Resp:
**12:19**
